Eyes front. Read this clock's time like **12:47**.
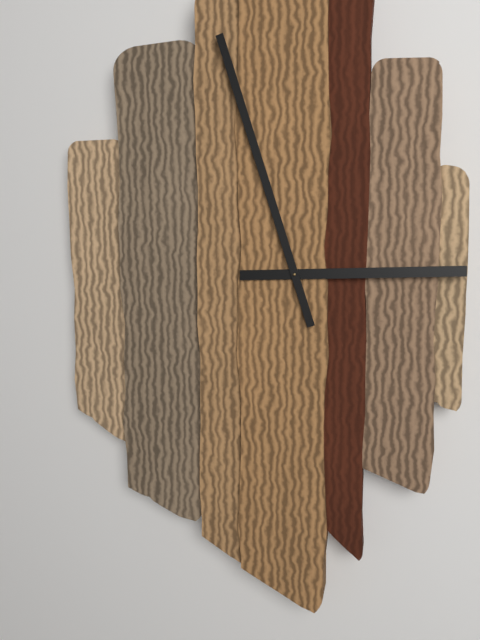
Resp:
**2:57**
